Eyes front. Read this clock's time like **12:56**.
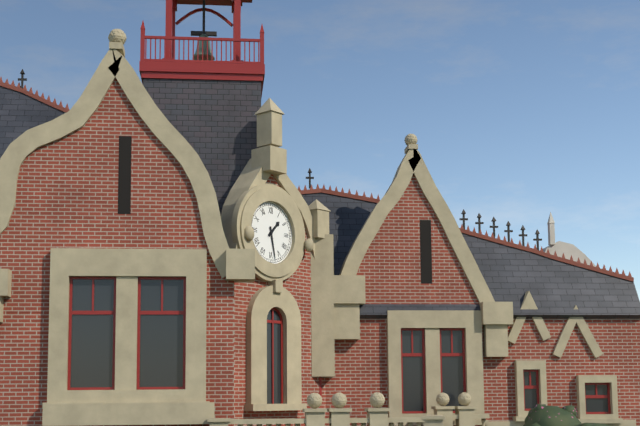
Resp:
**1:28**
